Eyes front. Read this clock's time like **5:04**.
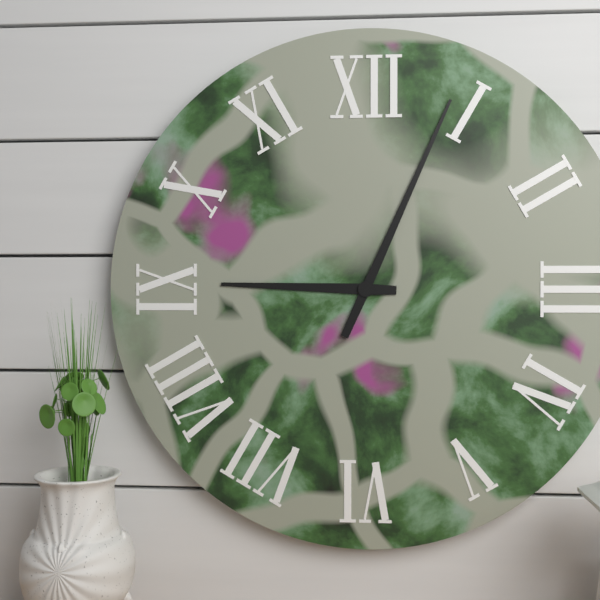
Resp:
**9:04**
